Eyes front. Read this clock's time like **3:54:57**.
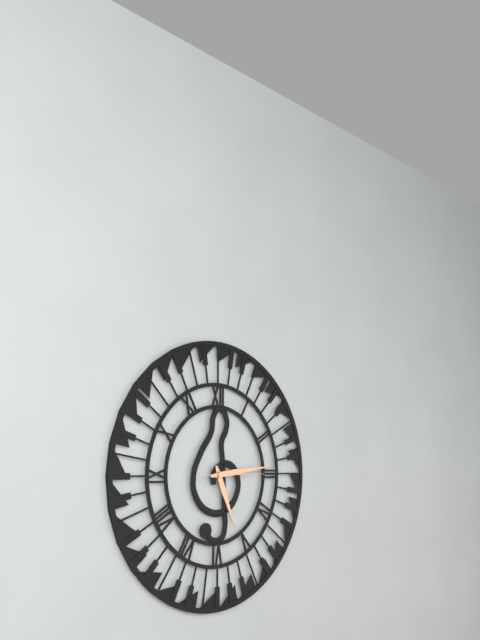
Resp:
**5:14:15**
